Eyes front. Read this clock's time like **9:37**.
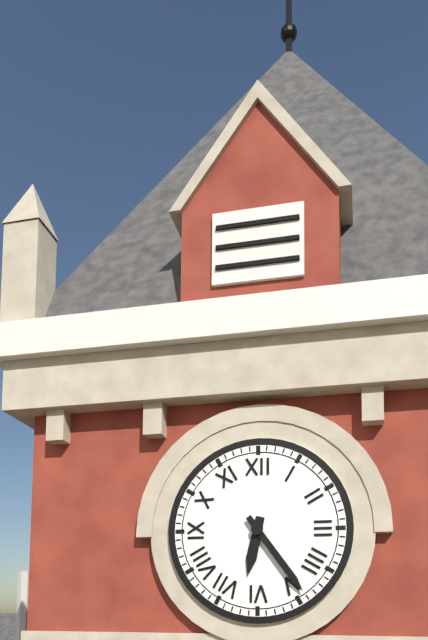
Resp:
**6:24**
